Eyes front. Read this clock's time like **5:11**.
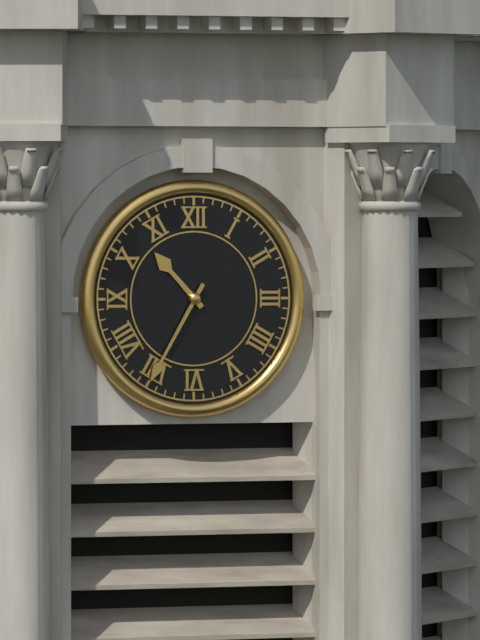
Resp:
**10:35**
